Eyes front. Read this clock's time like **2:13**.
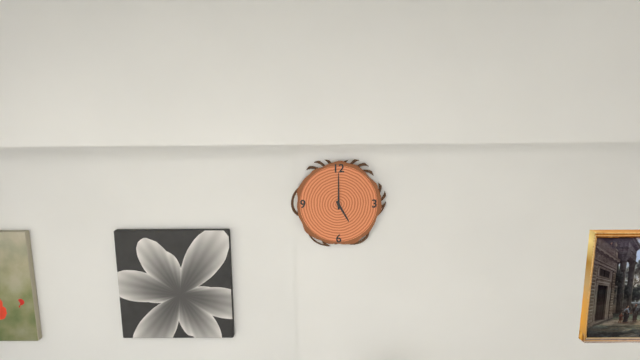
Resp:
**5:00**
